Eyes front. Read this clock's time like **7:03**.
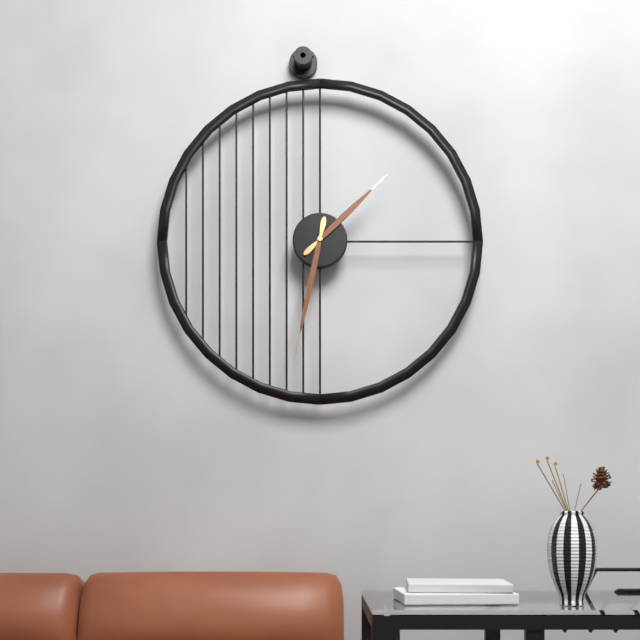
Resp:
**1:32**
